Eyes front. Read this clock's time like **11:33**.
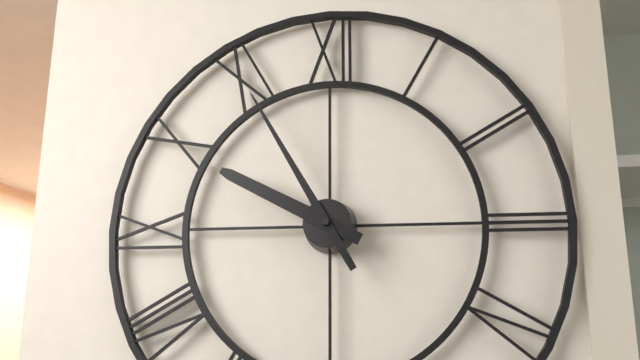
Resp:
**9:55**
